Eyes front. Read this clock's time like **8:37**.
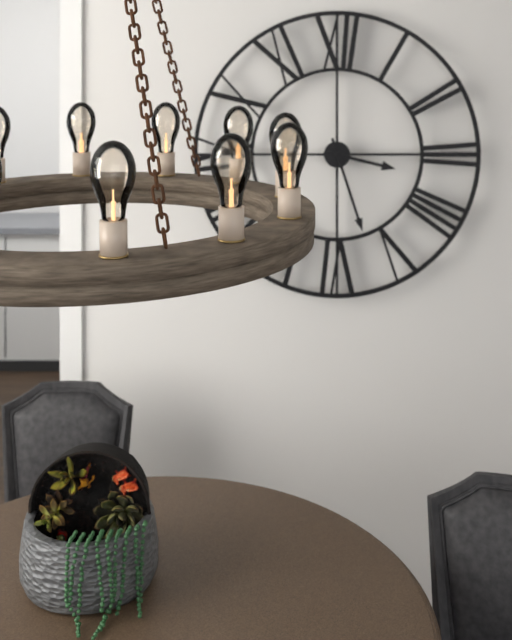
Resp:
**3:27**
